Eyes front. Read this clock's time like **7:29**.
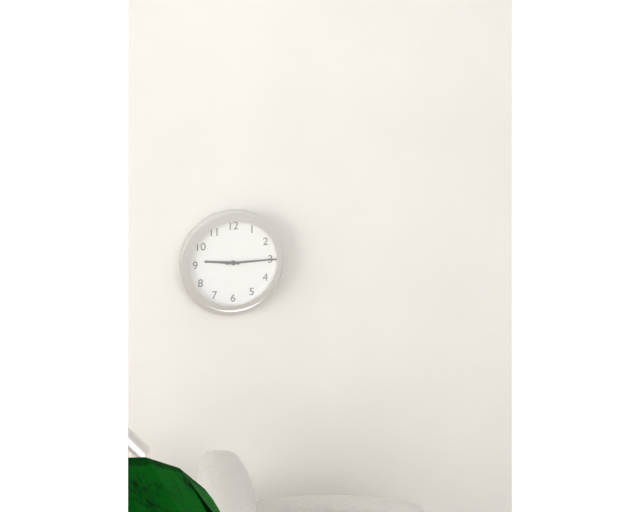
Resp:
**9:15**
